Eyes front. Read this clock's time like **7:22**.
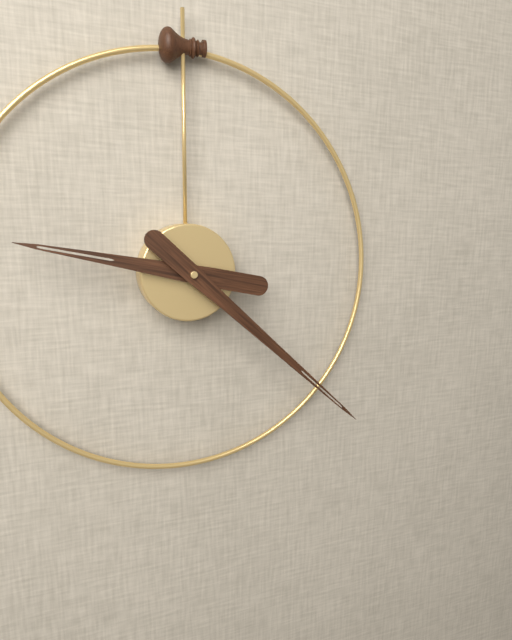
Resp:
**9:22**
